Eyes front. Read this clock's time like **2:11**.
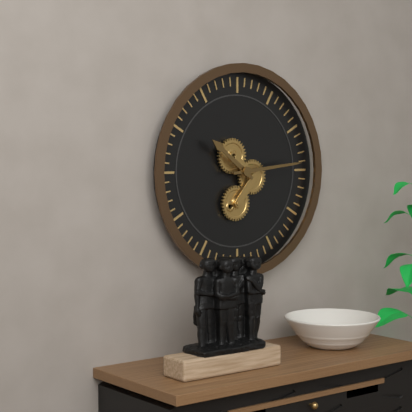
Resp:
**10:14**
